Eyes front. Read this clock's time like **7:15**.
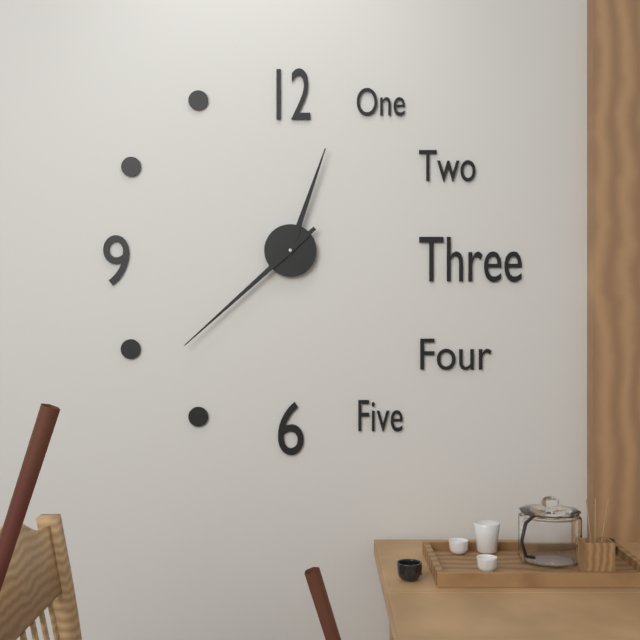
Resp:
**12:38**
